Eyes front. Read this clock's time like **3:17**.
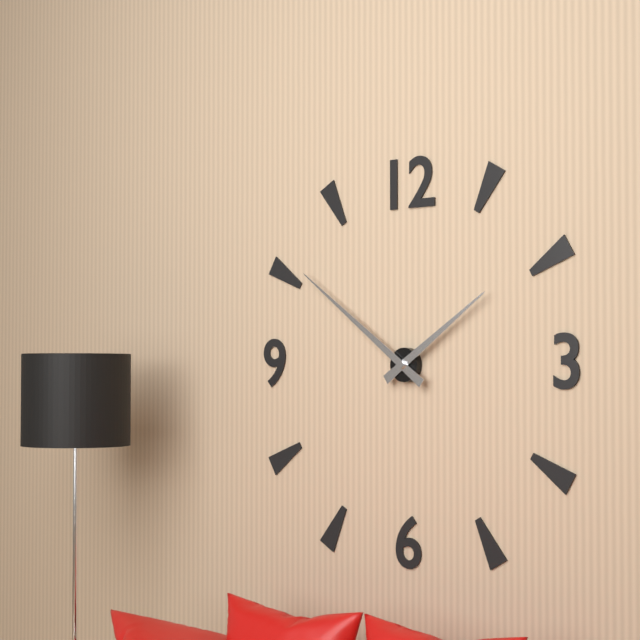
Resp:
**1:51**
